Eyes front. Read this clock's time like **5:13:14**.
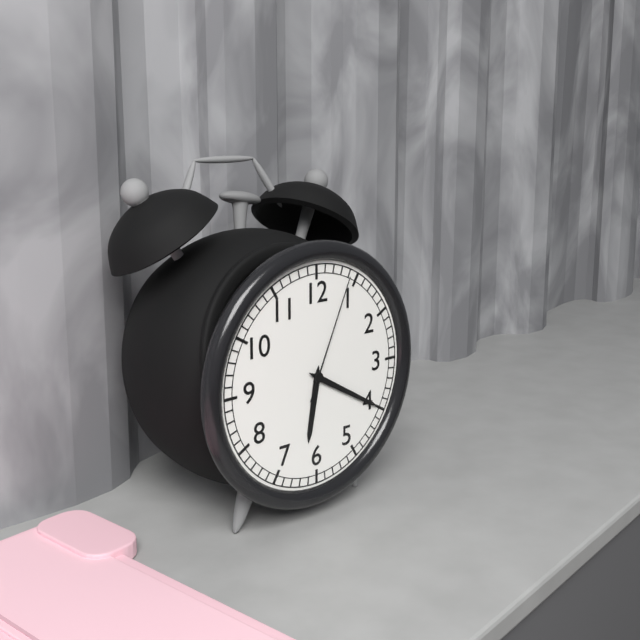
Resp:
**6:20:04**
